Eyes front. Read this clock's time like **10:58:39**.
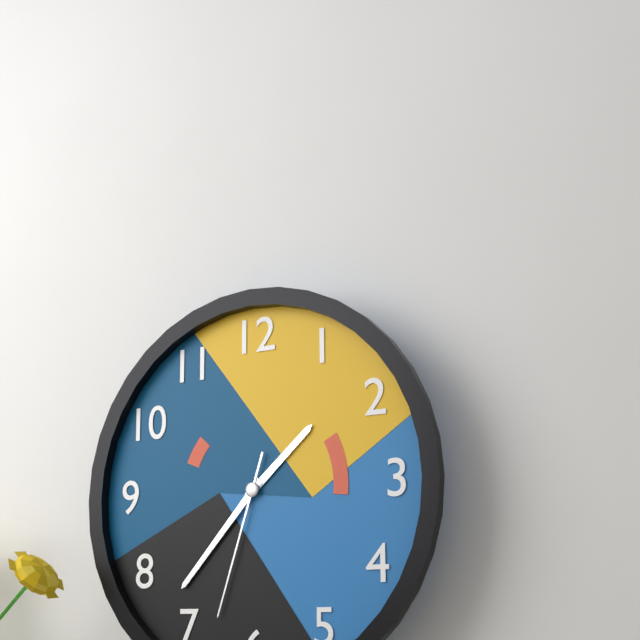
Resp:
**1:37:33**
